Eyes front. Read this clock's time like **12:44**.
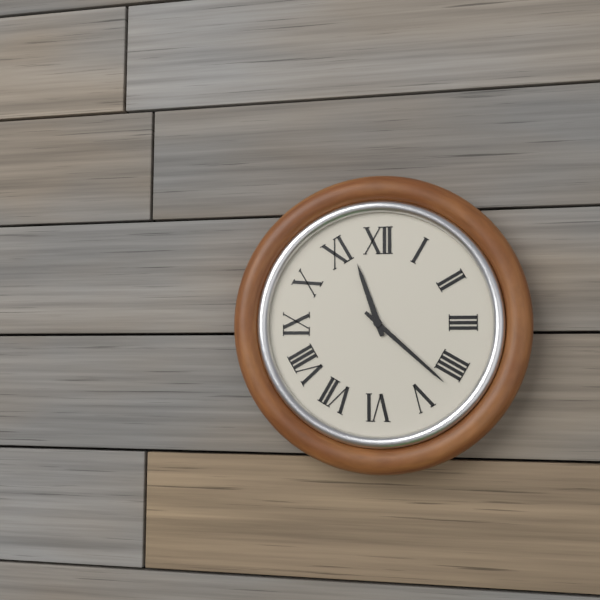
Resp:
**11:22**
